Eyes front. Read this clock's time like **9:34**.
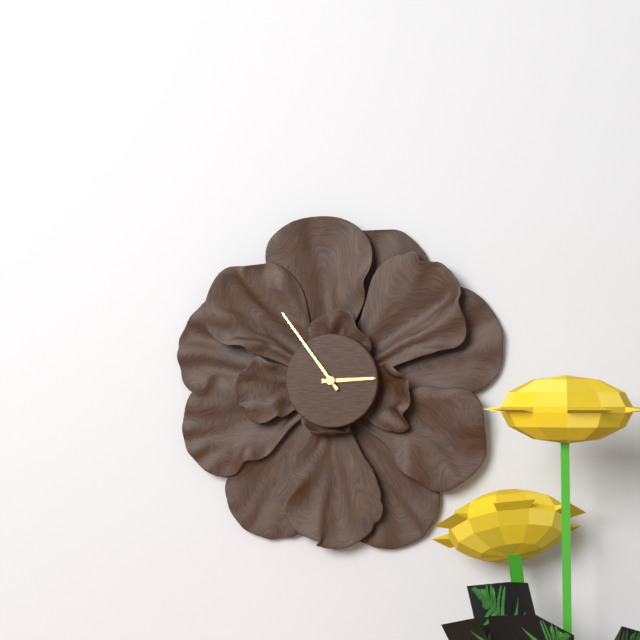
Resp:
**2:54**
